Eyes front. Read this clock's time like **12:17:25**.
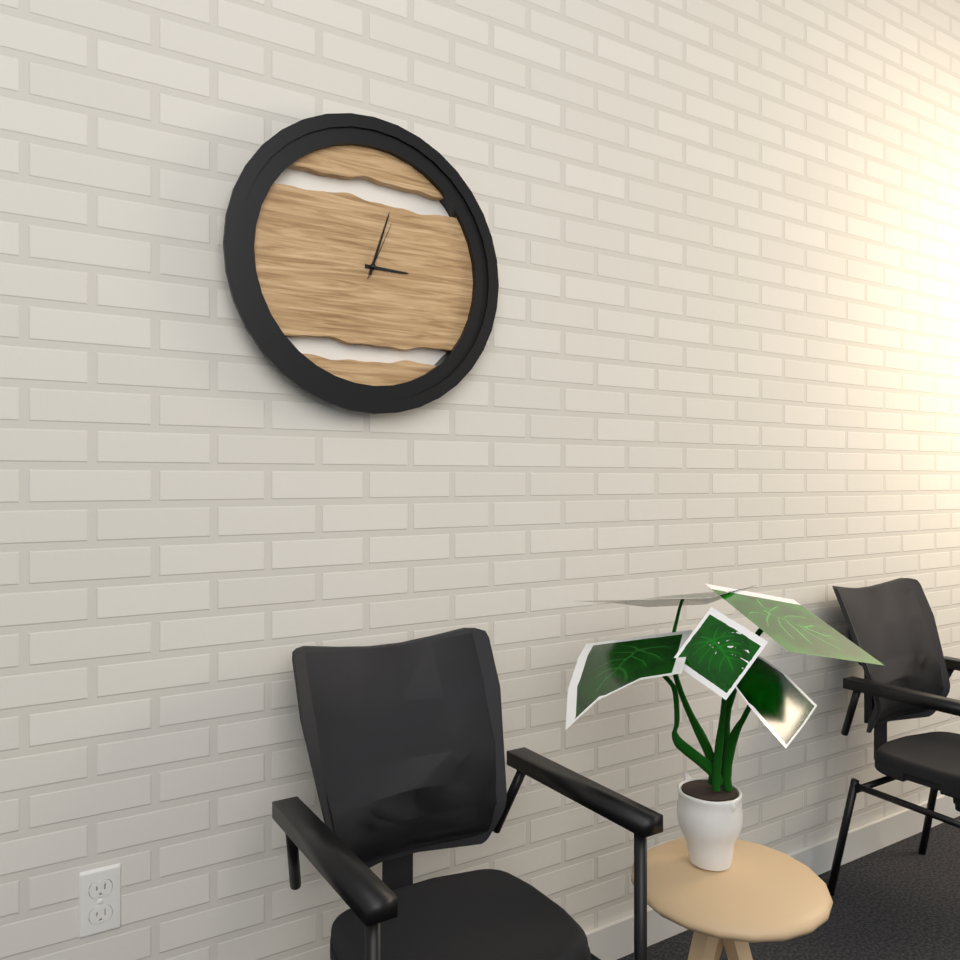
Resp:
**3:03:04**
